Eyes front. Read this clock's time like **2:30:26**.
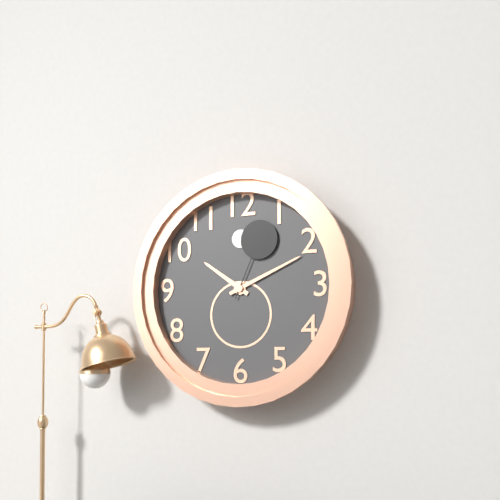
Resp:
**10:11:04**
